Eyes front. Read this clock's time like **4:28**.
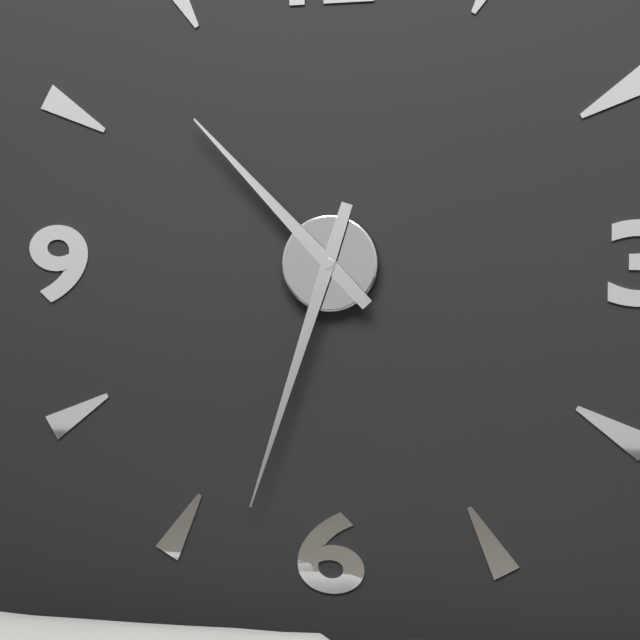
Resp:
**10:33**
